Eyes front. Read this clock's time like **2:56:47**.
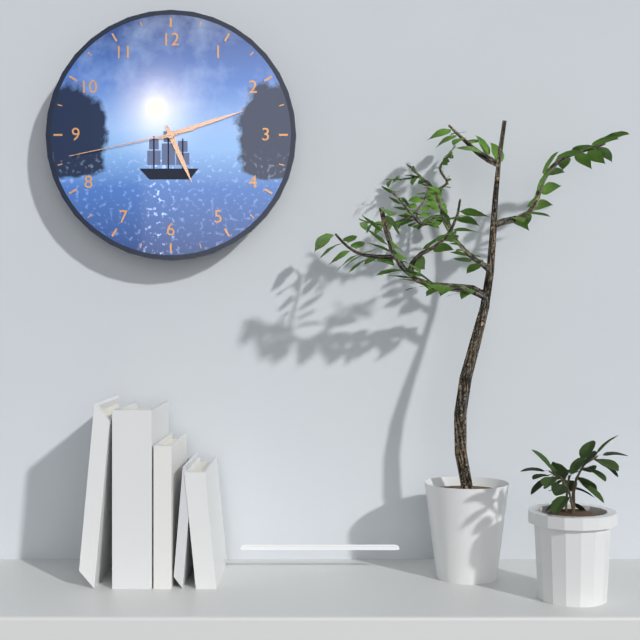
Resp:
**5:12:43**
